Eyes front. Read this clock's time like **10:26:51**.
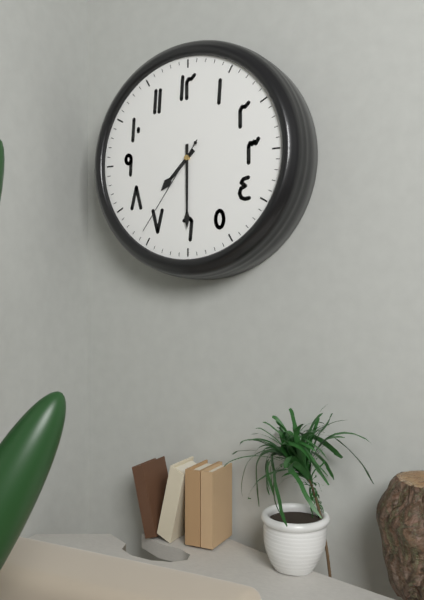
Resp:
**7:30:36**
